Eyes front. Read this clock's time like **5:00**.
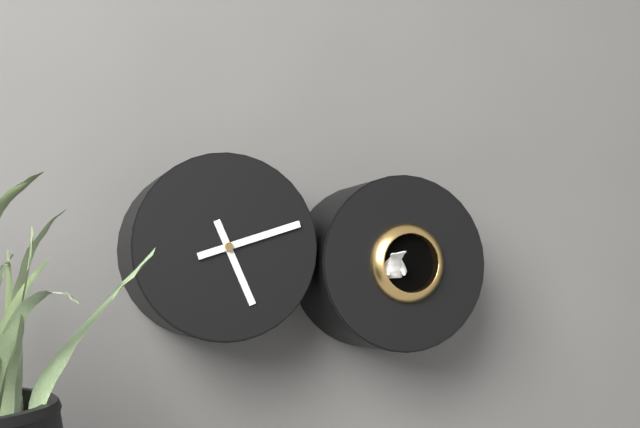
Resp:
**5:12**
